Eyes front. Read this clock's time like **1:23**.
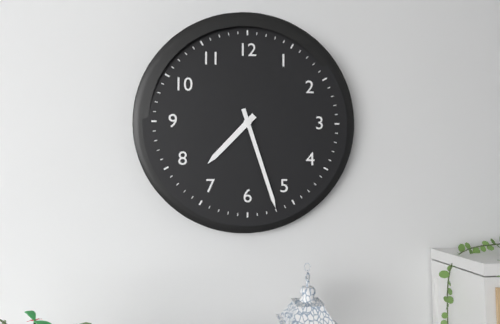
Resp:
**7:27**
